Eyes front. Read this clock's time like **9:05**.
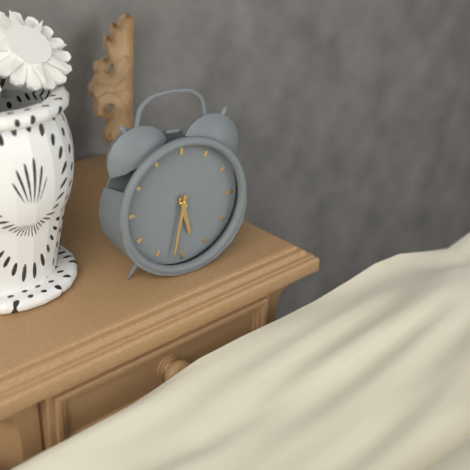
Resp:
**5:32**
